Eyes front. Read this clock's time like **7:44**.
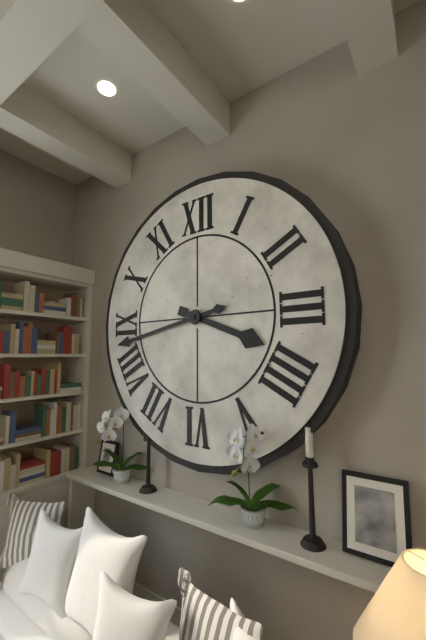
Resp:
**3:43**
